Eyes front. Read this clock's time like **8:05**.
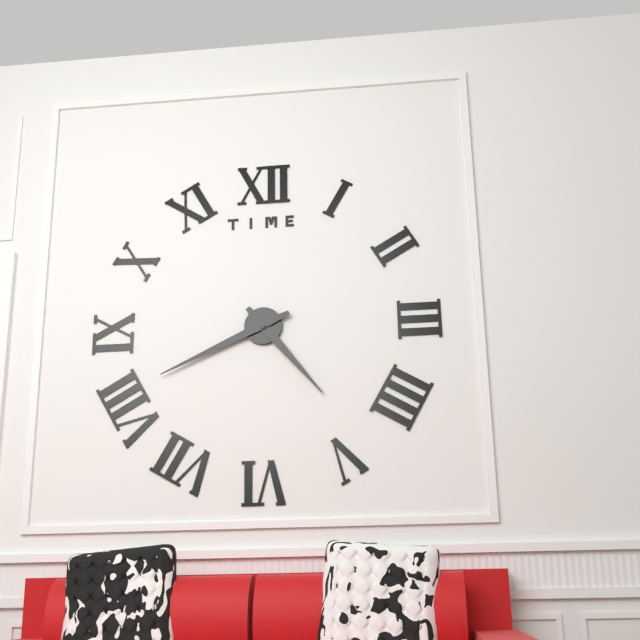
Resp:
**4:41**
